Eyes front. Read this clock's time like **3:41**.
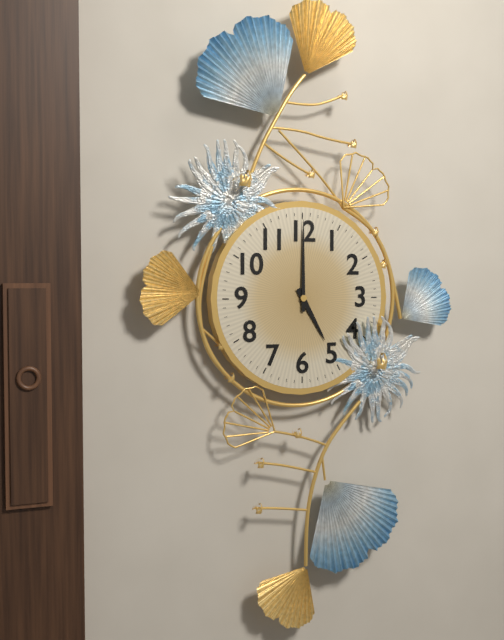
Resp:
**5:00**
